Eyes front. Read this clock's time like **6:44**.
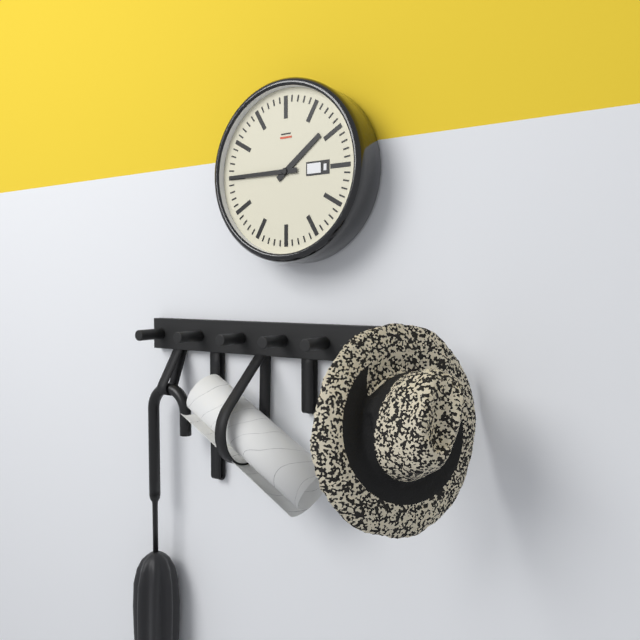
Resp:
**1:45**
